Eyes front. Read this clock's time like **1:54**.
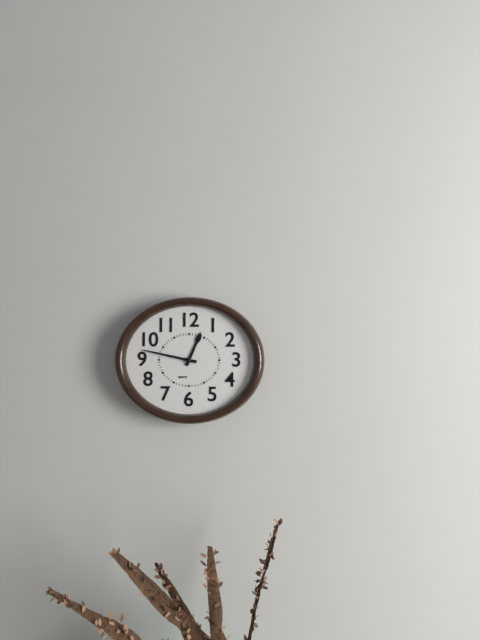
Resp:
**12:47**
